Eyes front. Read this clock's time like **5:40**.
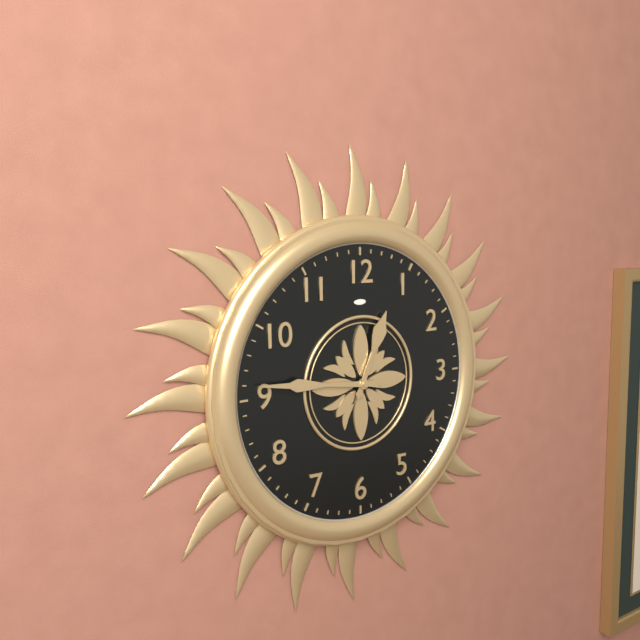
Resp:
**12:46**
